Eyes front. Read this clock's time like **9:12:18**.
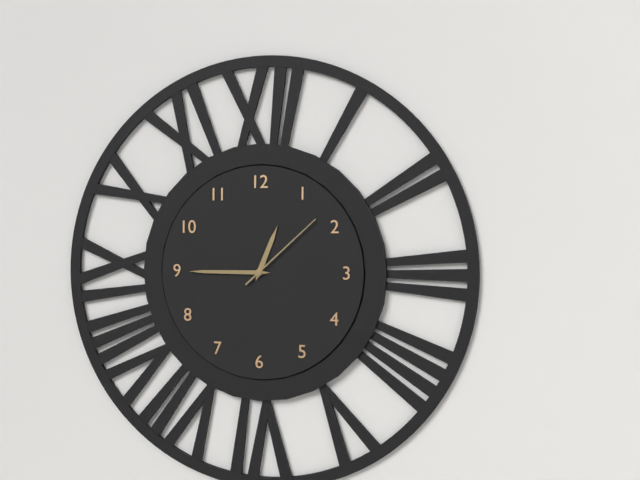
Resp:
**12:45:08**
